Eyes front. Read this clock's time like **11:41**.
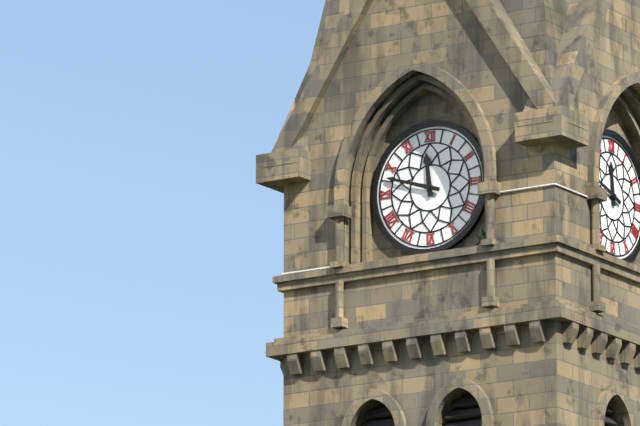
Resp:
**11:48**
